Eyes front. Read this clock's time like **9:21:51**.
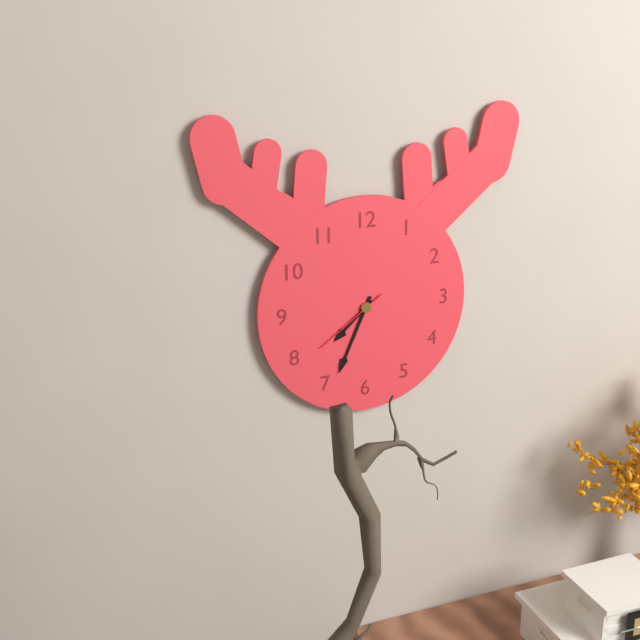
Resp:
**7:34:39**
